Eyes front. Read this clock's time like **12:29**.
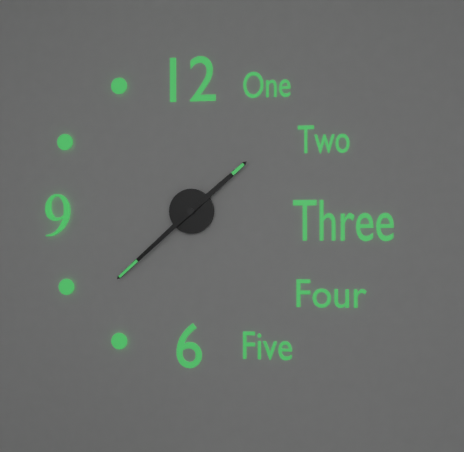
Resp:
**1:38**
